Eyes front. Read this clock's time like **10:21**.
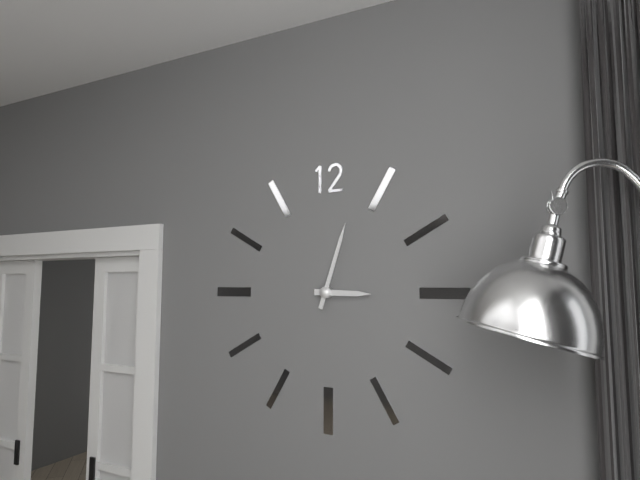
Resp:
**3:03**
